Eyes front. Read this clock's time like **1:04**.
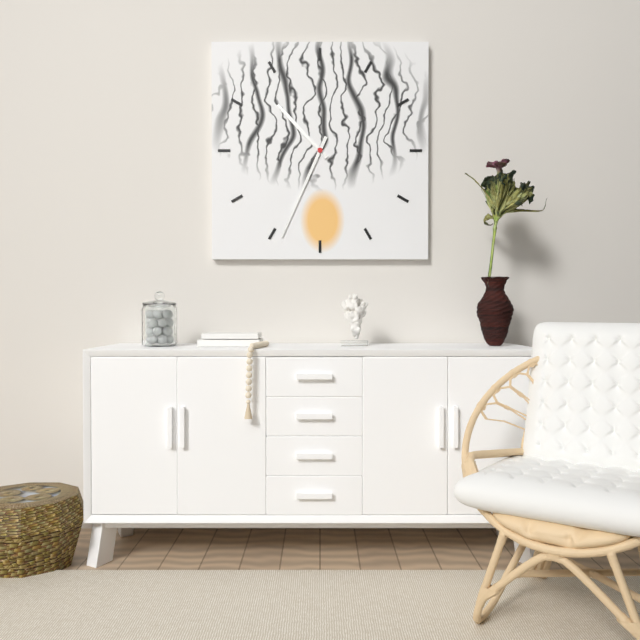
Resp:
**10:34**
